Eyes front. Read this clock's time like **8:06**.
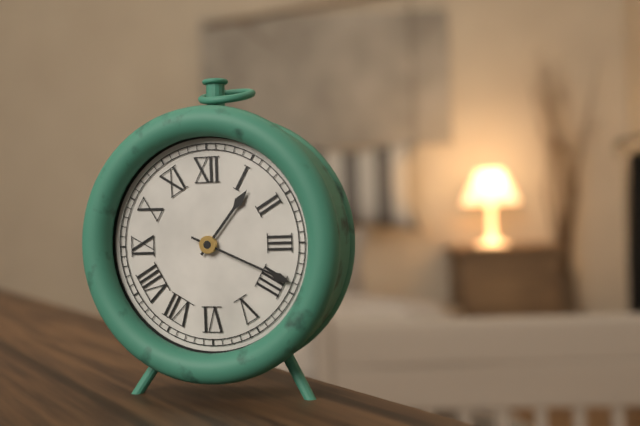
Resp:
**1:19**
